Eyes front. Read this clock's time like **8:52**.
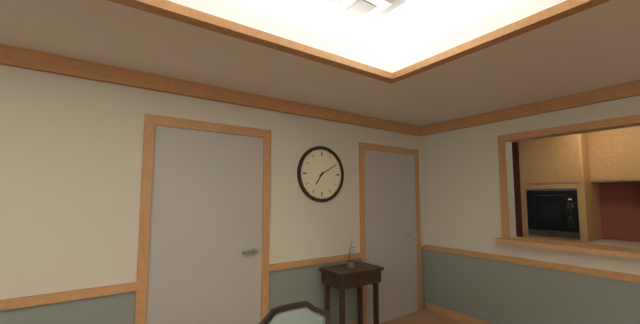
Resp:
**7:10**
